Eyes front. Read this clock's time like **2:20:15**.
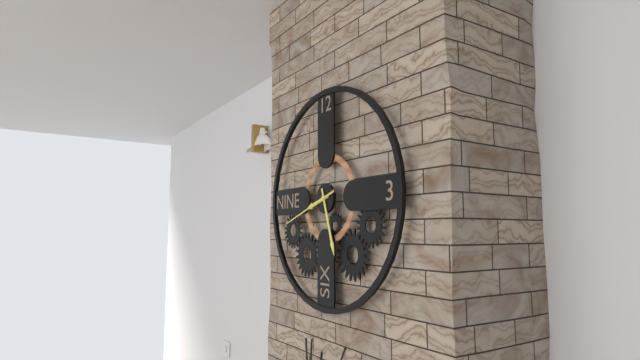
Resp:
**8:27:42**
